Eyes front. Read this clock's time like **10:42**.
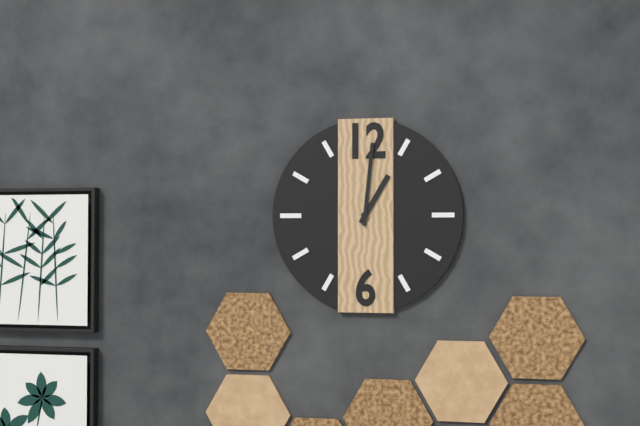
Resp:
**1:01**
